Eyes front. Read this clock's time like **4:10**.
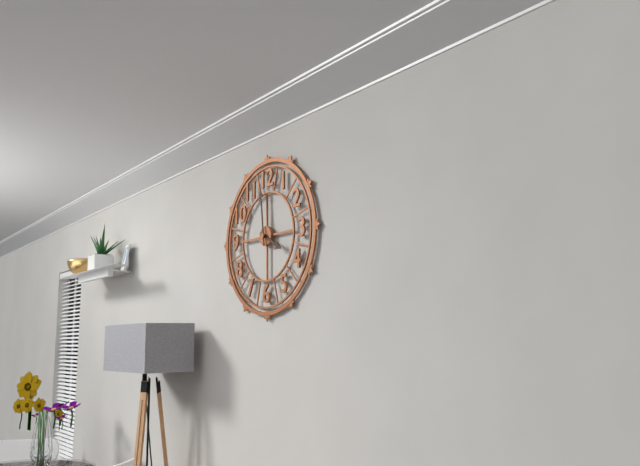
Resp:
**3:59**
